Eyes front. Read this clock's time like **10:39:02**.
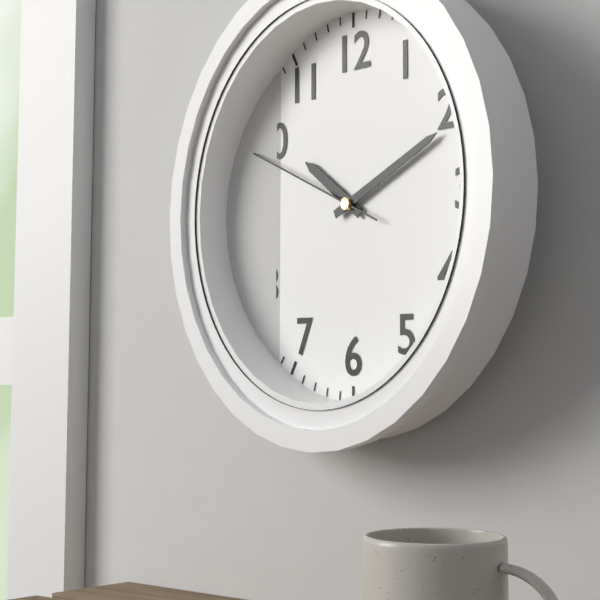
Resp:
**10:11:49**
